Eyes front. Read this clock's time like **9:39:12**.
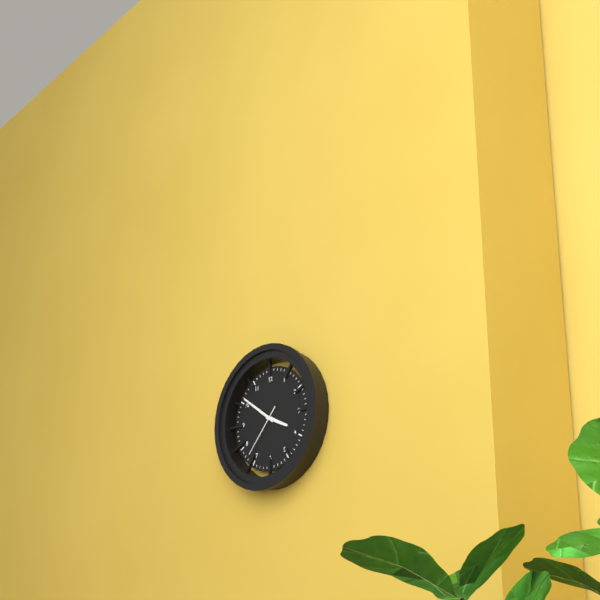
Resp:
**3:51:37**
